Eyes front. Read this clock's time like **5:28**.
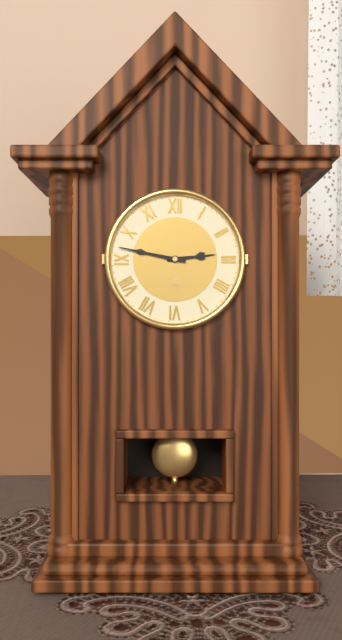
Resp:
**2:47**
